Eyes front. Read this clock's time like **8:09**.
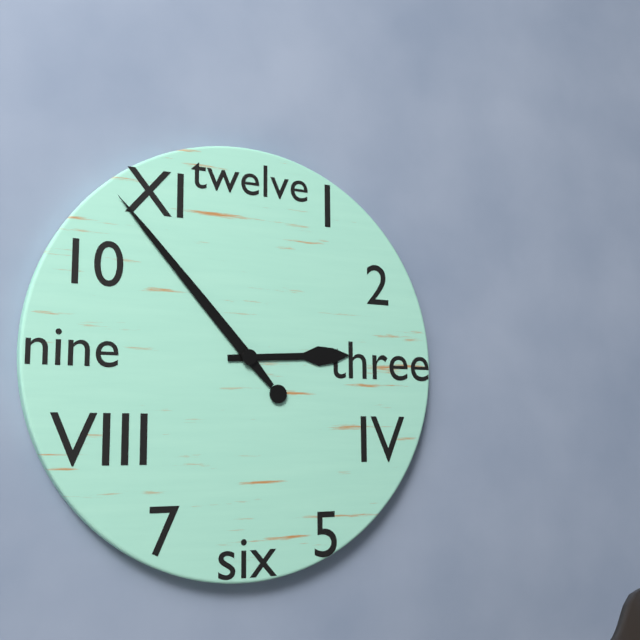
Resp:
**2:53**
